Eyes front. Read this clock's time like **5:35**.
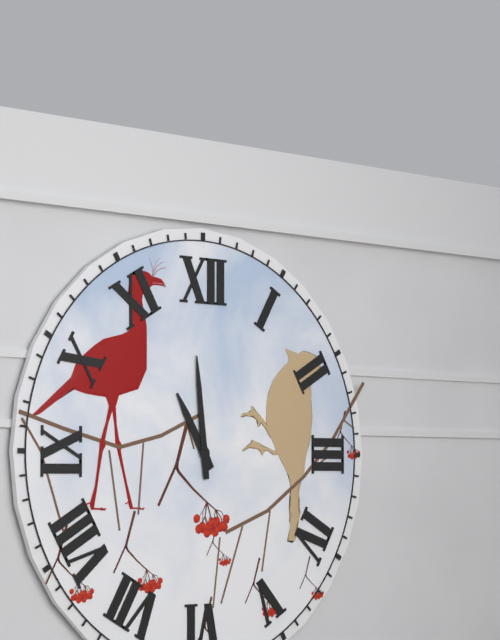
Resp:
**10:59**
